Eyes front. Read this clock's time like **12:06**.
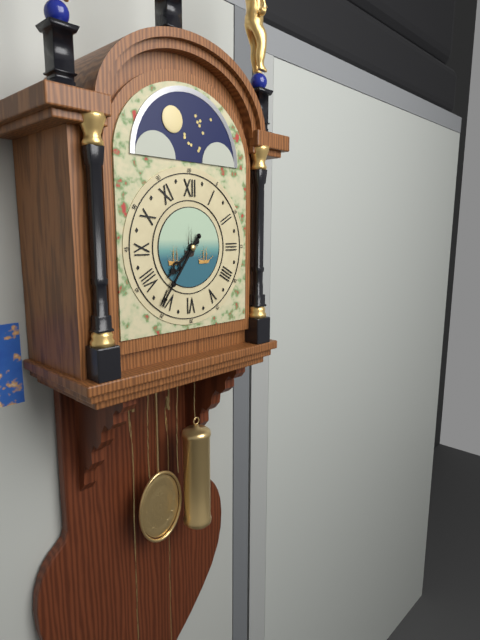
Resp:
**7:36**
